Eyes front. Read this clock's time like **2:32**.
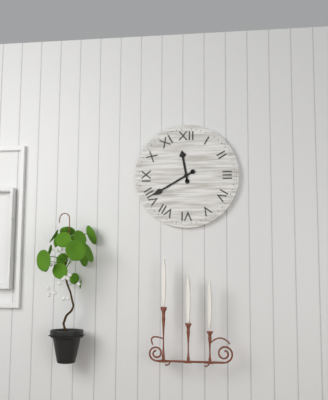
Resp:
**11:40**
